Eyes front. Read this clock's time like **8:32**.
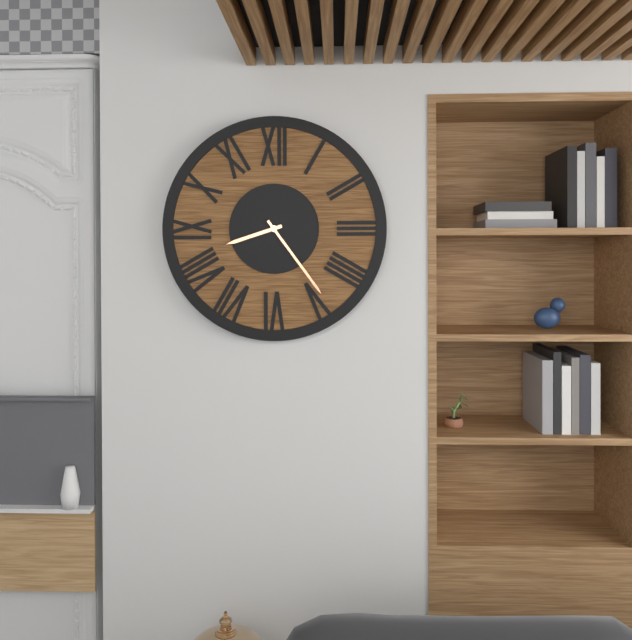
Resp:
**8:24**
